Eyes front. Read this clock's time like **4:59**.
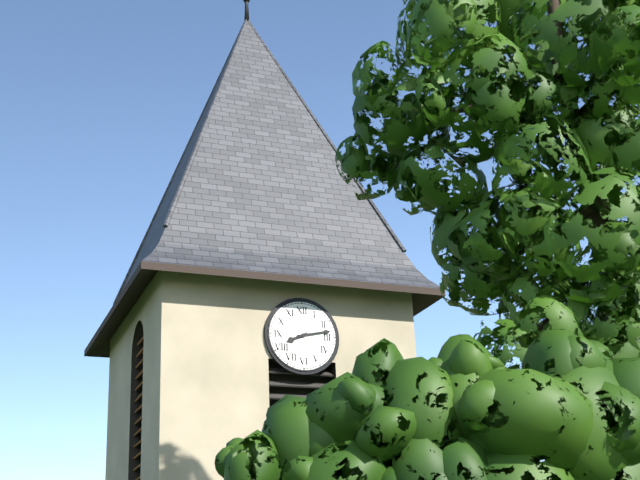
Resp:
**8:13**
